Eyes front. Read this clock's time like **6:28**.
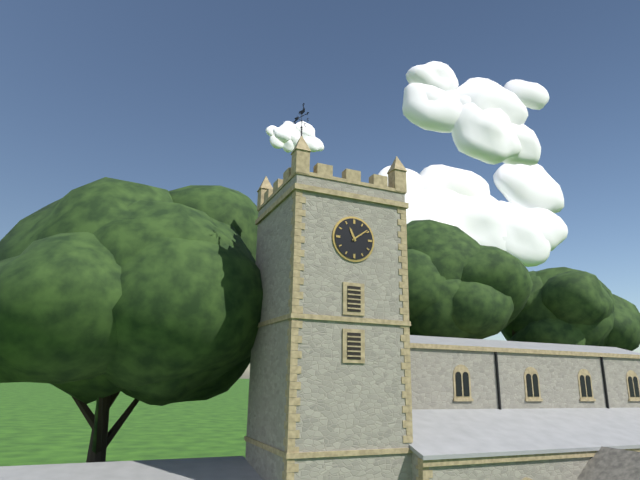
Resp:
**11:09**
